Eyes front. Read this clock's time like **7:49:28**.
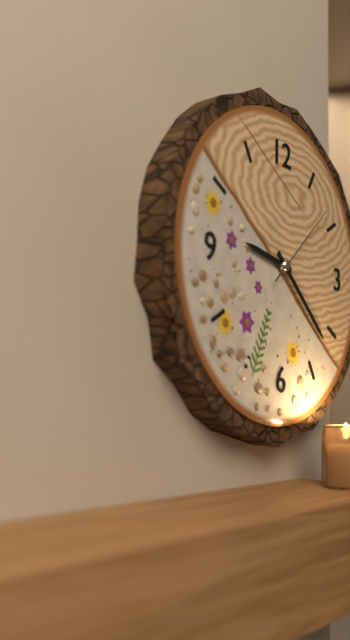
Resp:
**9:22:08**
